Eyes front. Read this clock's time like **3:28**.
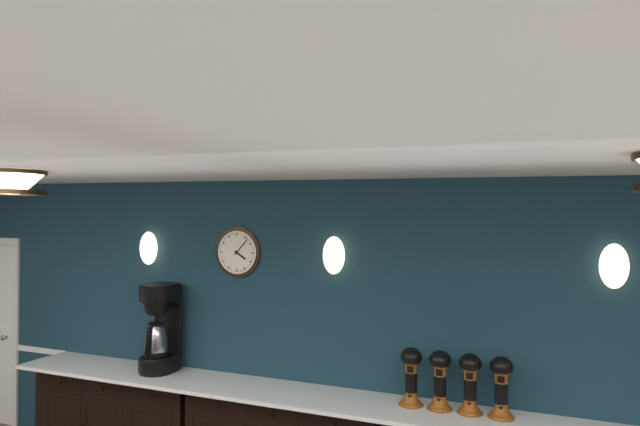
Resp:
**4:07**
